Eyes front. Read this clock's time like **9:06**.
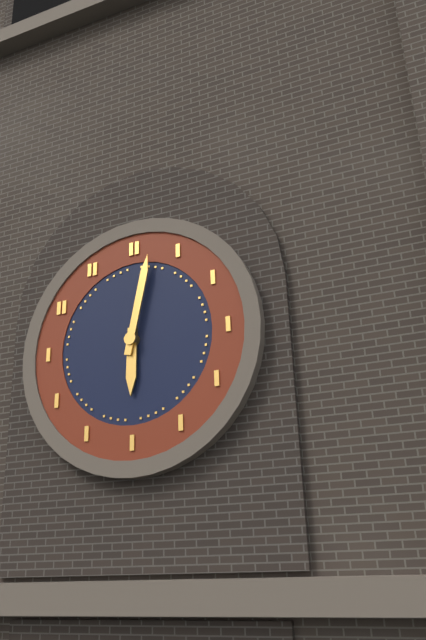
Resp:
**6:02**
